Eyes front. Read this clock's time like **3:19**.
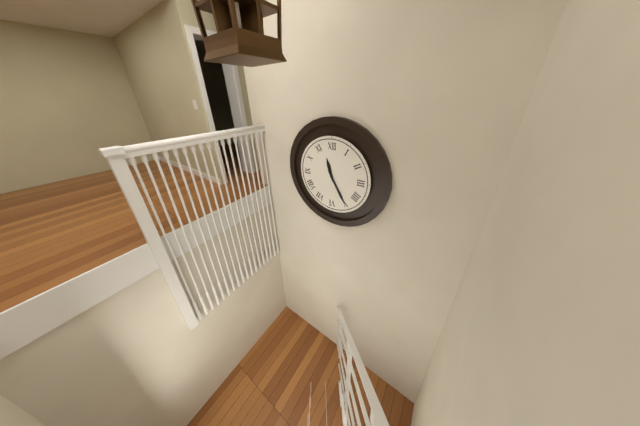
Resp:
**11:25**
